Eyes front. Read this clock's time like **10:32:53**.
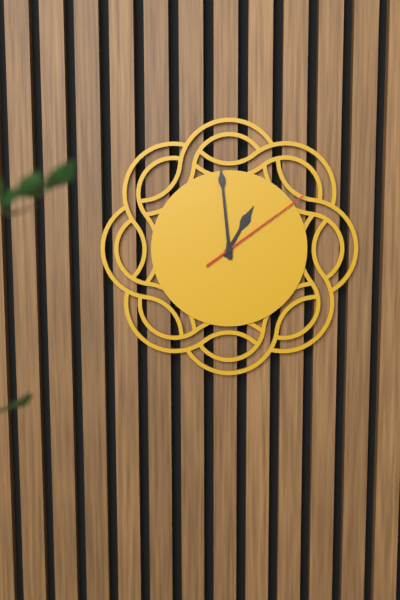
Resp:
**12:59:09**
